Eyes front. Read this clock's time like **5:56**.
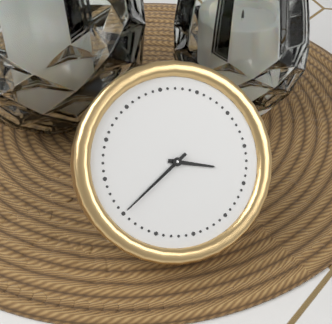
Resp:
**3:40**
